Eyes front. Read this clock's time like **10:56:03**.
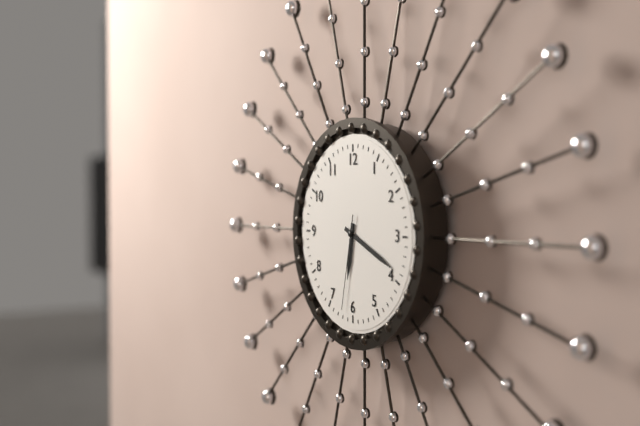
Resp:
**6:19:32**
